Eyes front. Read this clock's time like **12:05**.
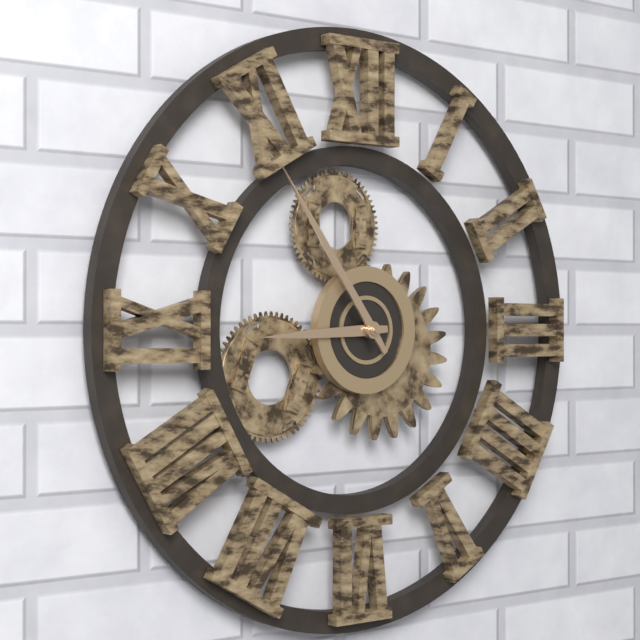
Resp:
**8:54**
